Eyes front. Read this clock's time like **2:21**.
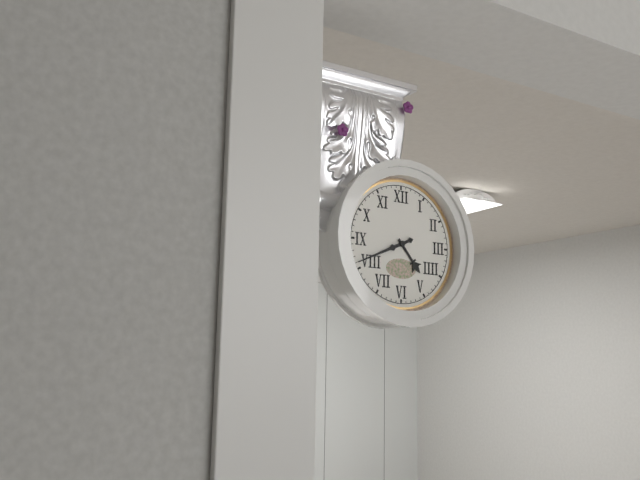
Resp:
**4:41**
